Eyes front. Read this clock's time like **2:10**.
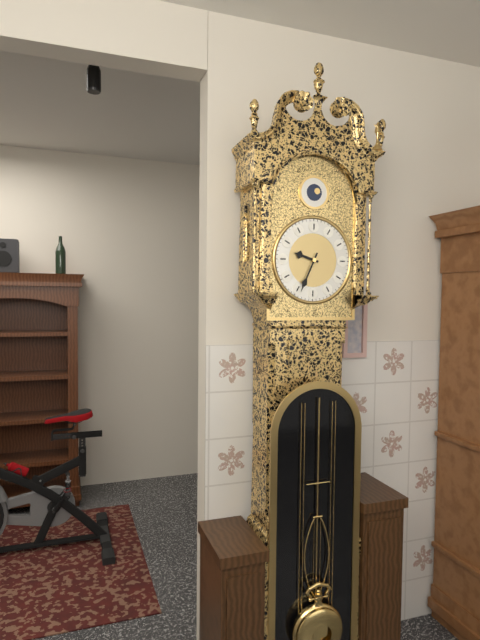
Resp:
**9:34**
